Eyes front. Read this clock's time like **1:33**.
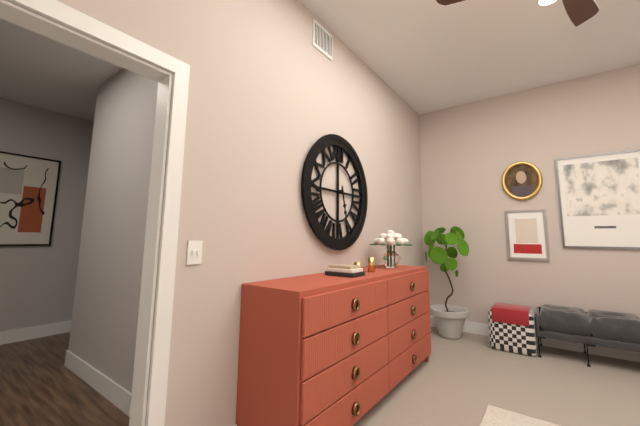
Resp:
**5:28**
